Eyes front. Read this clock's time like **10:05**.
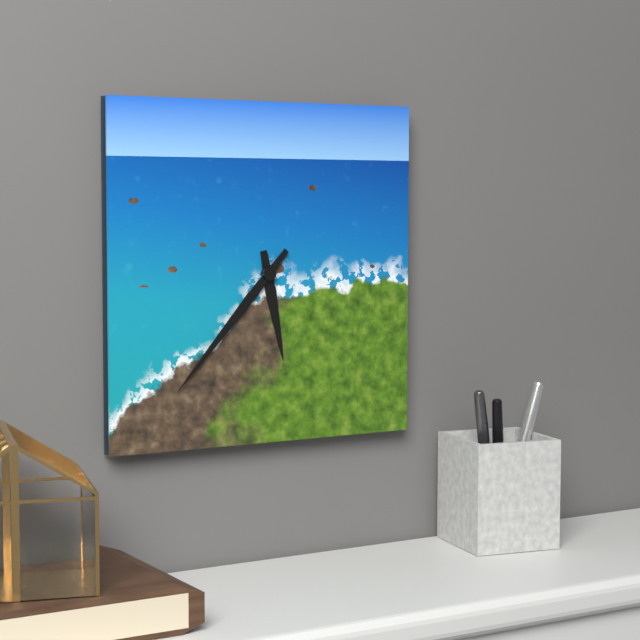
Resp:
**5:37**
